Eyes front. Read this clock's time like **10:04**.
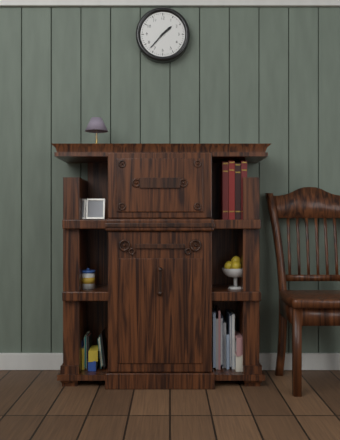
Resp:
**1:37**
